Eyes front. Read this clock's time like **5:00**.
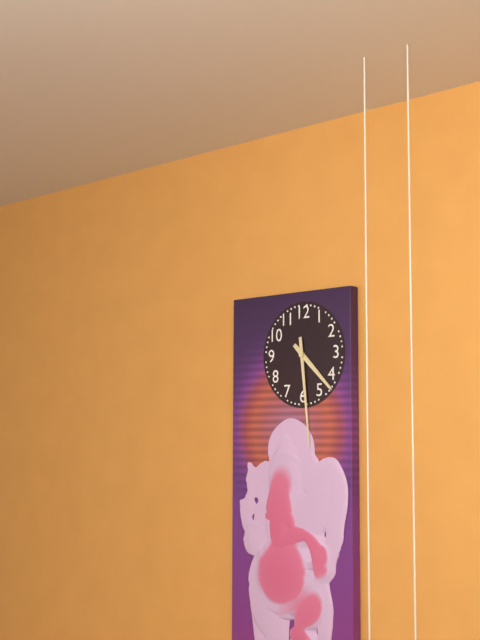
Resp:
**4:29**
